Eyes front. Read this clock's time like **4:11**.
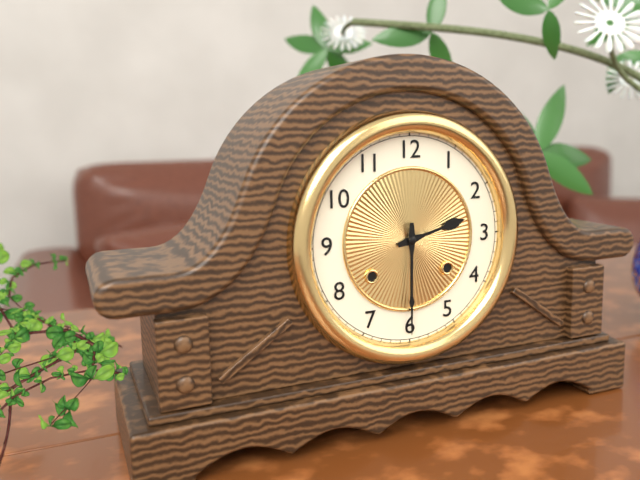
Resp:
**2:30**
